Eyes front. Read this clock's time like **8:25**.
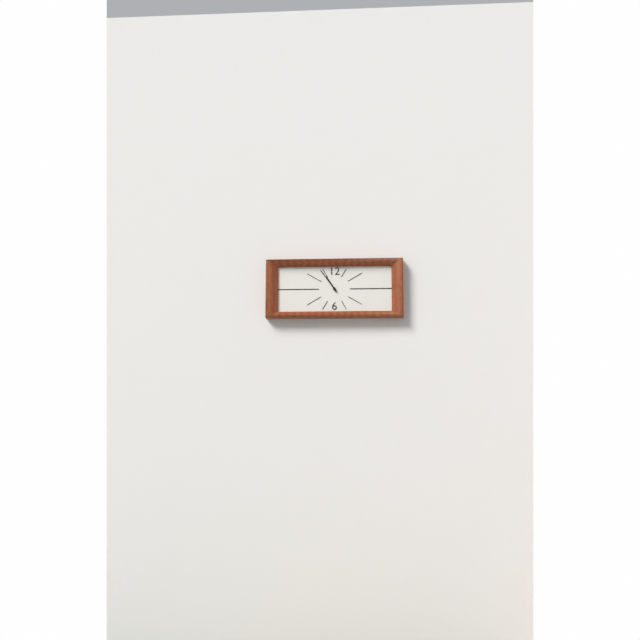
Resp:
**10:54**
